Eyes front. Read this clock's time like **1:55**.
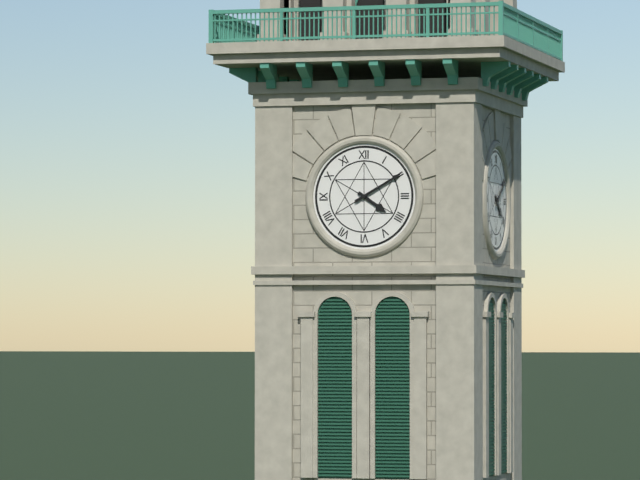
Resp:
**4:10**
